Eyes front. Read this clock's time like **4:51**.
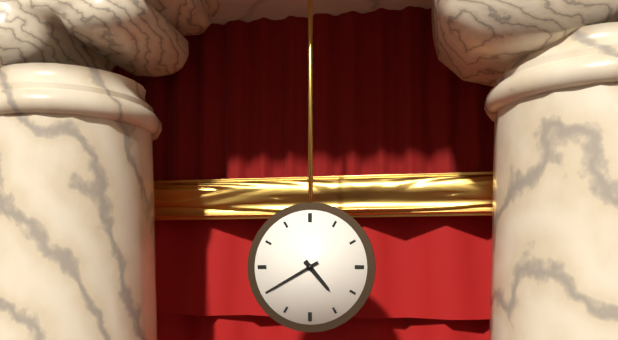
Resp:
**4:40**
